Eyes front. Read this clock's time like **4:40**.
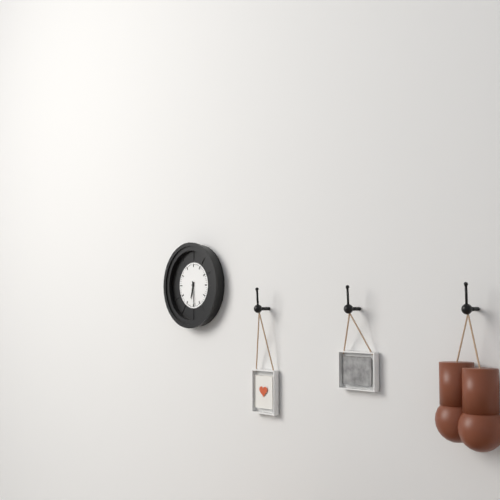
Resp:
**6:29**
